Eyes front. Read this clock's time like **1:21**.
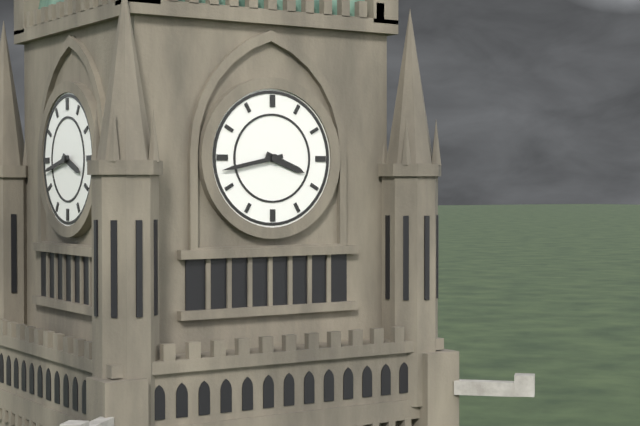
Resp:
**3:43**
